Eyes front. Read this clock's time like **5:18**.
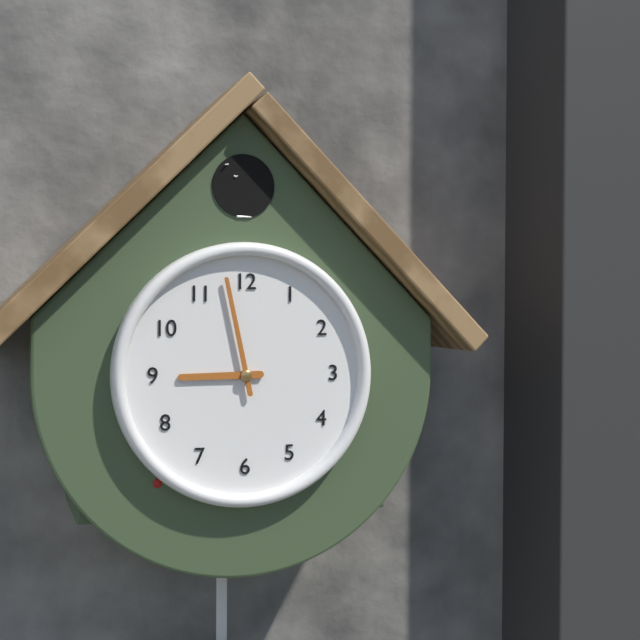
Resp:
**8:58**
